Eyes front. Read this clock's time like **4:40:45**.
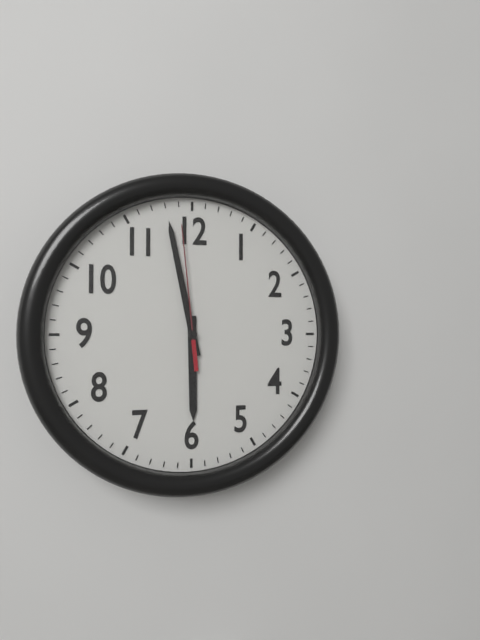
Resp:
**5:58:59**
